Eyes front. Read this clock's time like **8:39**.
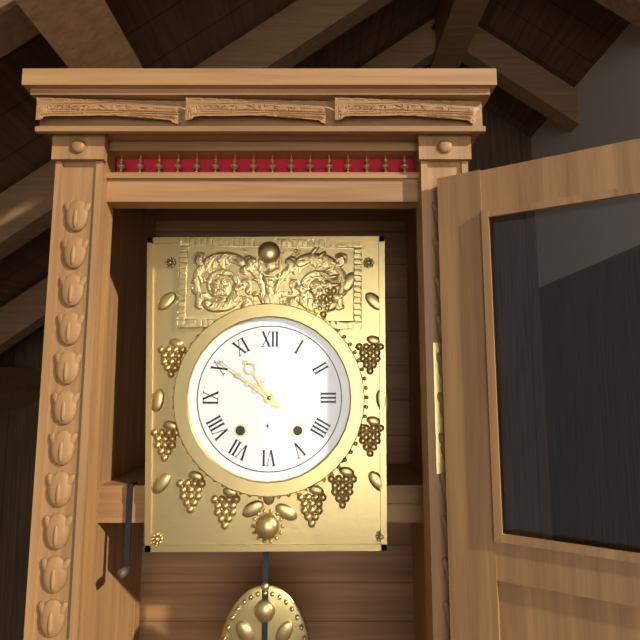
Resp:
**10:51**
